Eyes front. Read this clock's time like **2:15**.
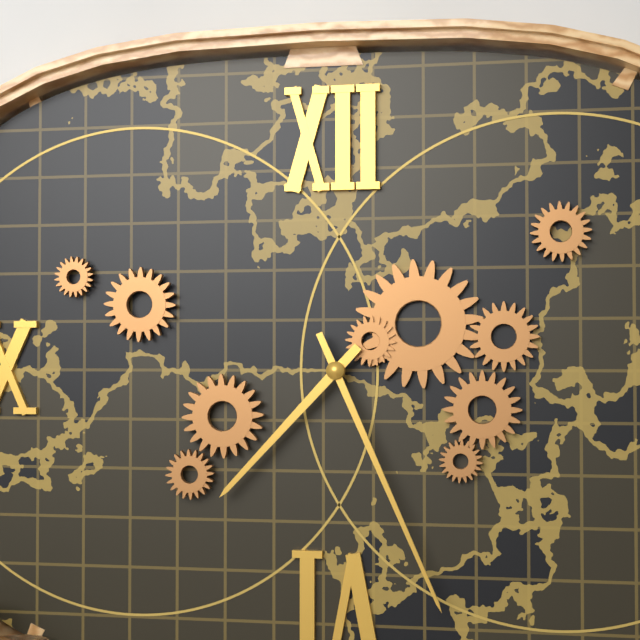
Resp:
**7:26**
